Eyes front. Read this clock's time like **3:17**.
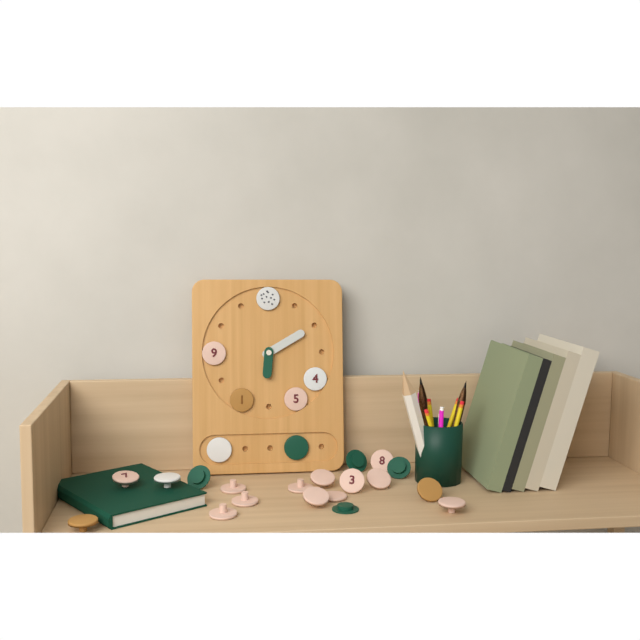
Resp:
**6:10**
